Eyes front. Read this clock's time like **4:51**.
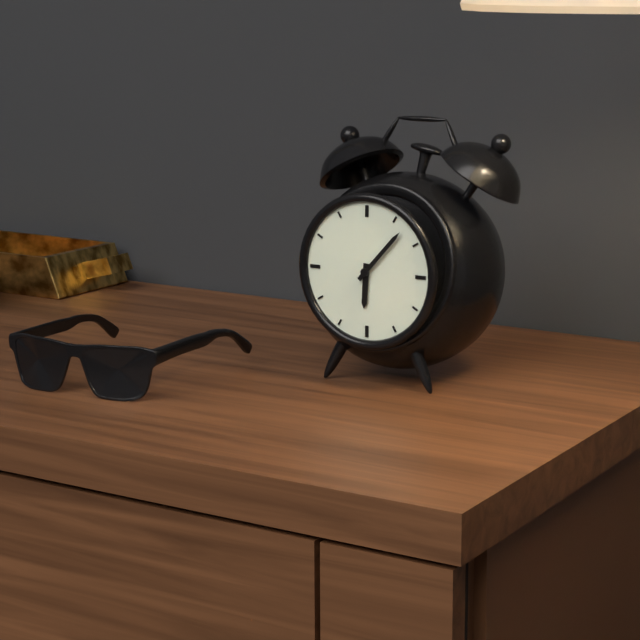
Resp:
**6:07**
